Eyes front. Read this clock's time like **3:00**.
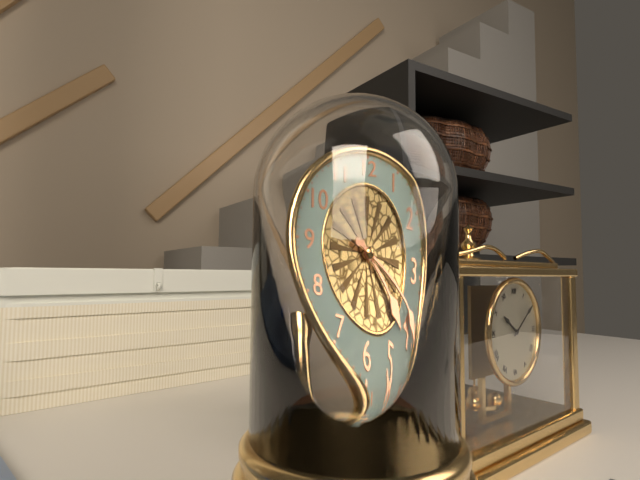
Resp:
**4:19**
